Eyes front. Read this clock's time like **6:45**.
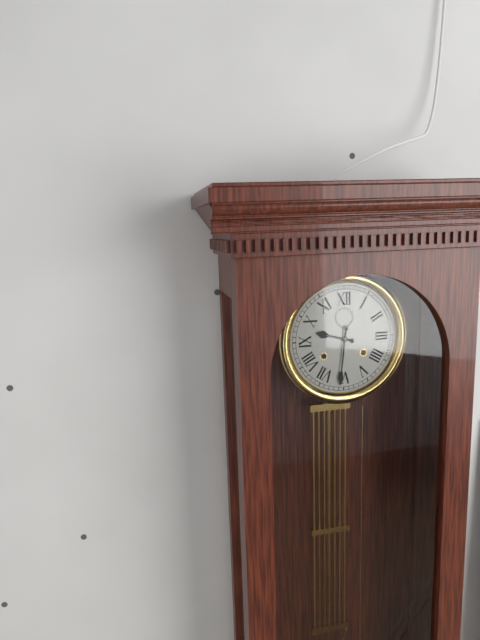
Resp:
**9:31**
